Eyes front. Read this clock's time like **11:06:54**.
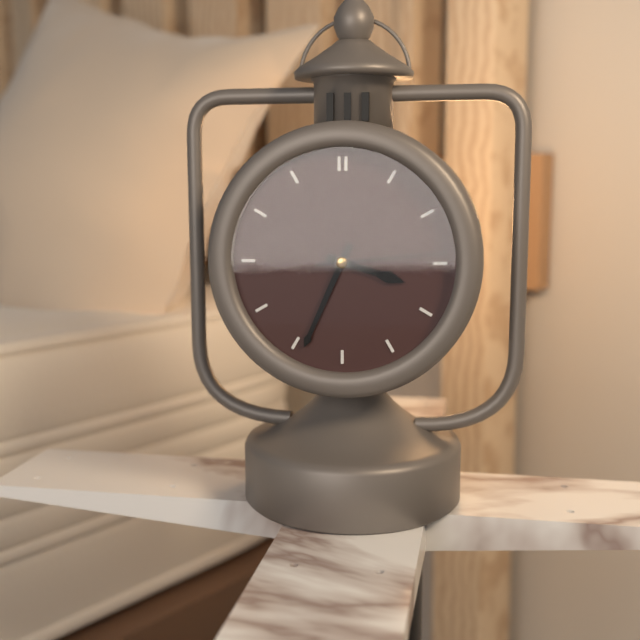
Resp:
**3:34:14**
